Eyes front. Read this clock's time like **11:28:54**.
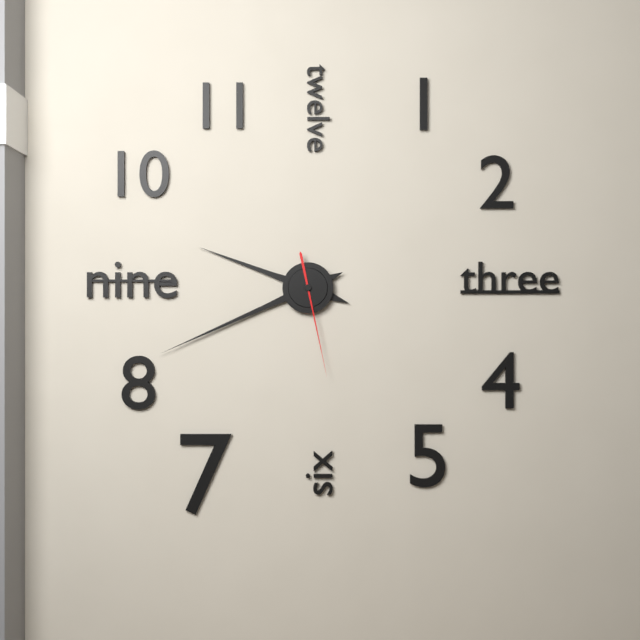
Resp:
**9:41:28**
